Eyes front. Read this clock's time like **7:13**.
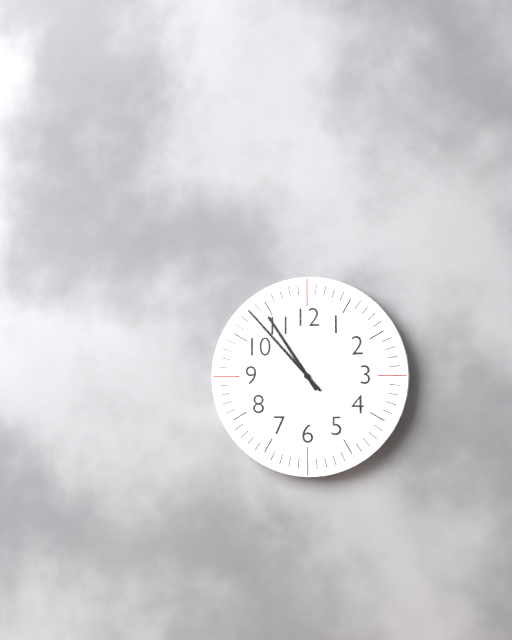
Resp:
**10:53**
